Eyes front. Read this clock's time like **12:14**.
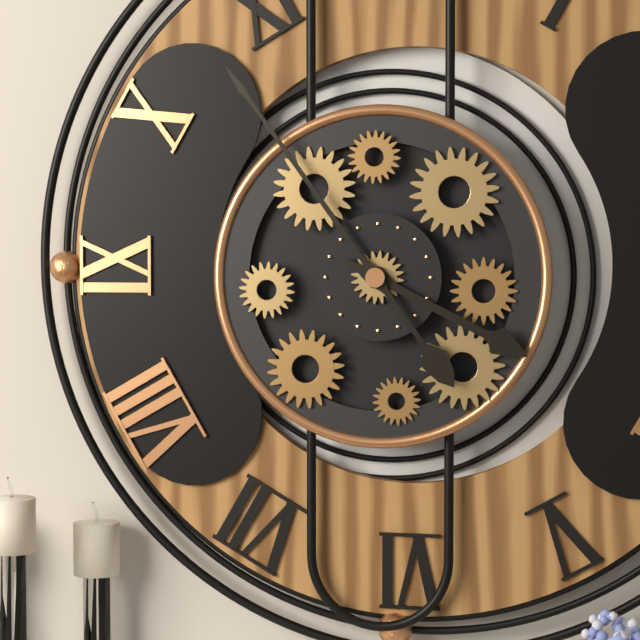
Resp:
**3:54**
